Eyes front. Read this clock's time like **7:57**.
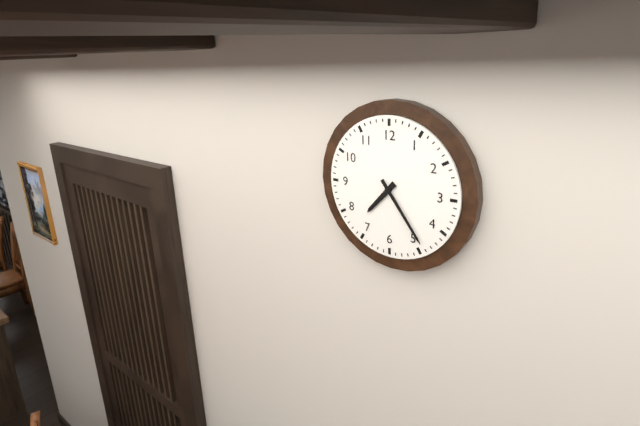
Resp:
**7:24**
